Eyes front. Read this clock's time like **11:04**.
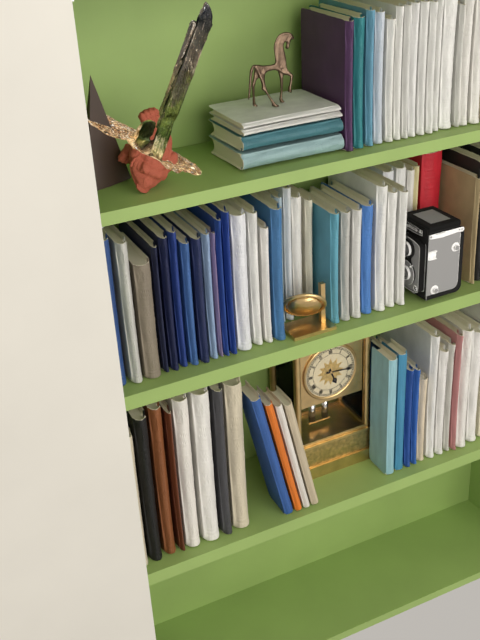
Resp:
**5:16**
